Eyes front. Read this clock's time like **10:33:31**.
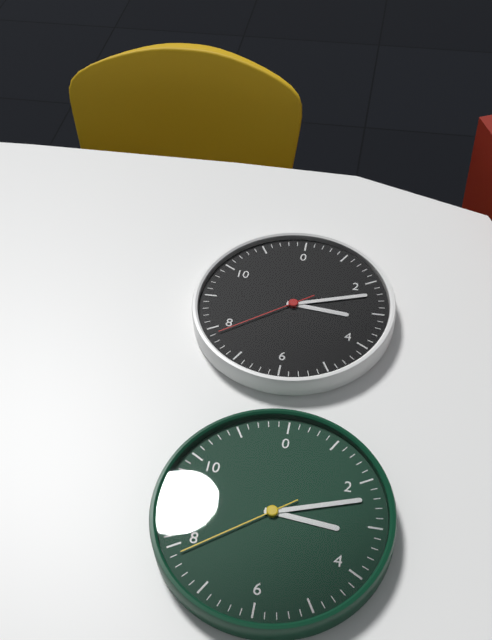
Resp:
**3:12:39**
